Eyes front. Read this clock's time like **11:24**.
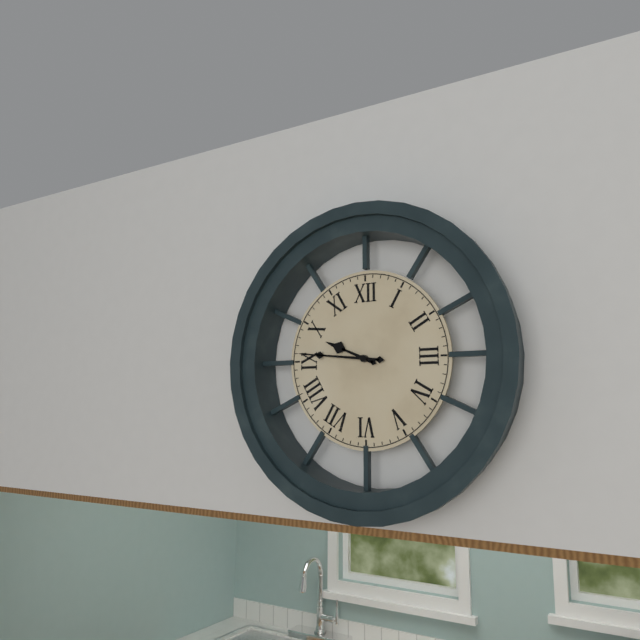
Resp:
**9:46**
